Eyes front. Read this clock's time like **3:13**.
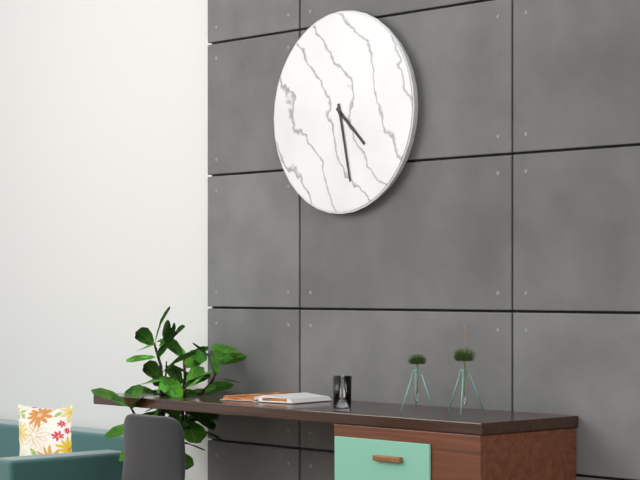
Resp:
**4:28**
